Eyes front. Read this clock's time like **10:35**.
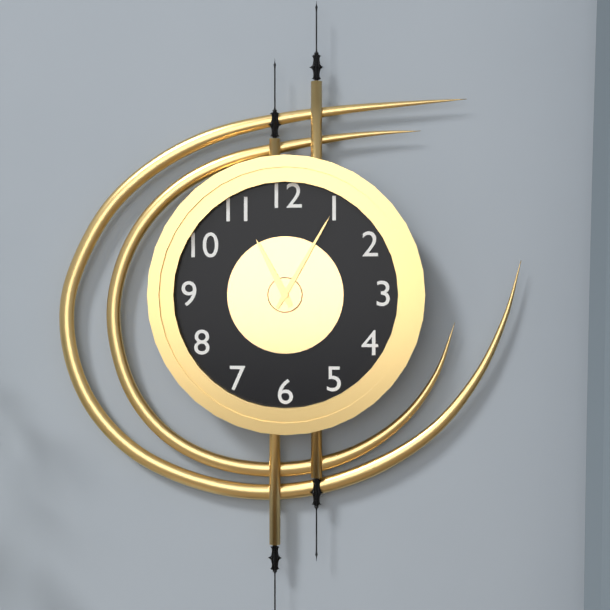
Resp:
**11:05**
